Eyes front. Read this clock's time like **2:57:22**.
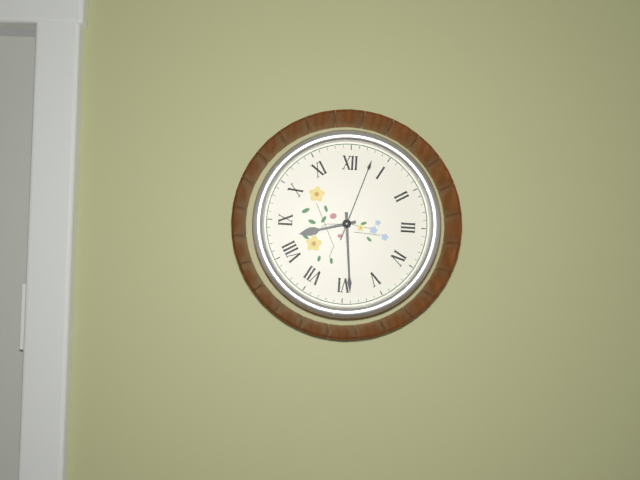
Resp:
**8:29:03**
